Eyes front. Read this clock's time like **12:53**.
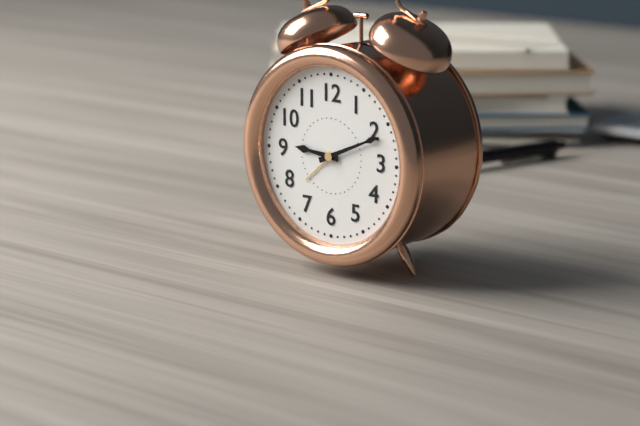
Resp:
**9:11**
